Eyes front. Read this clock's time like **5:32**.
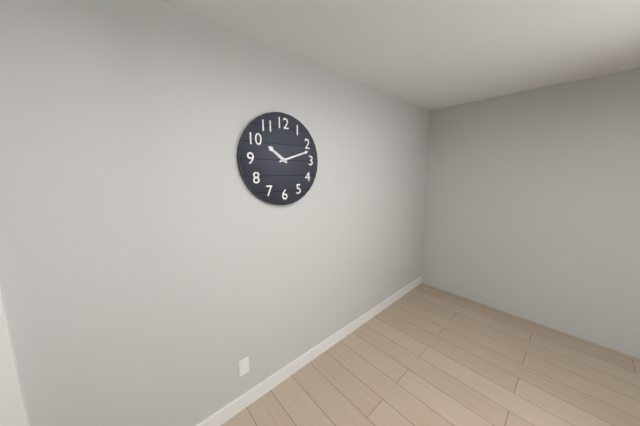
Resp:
**10:12**
